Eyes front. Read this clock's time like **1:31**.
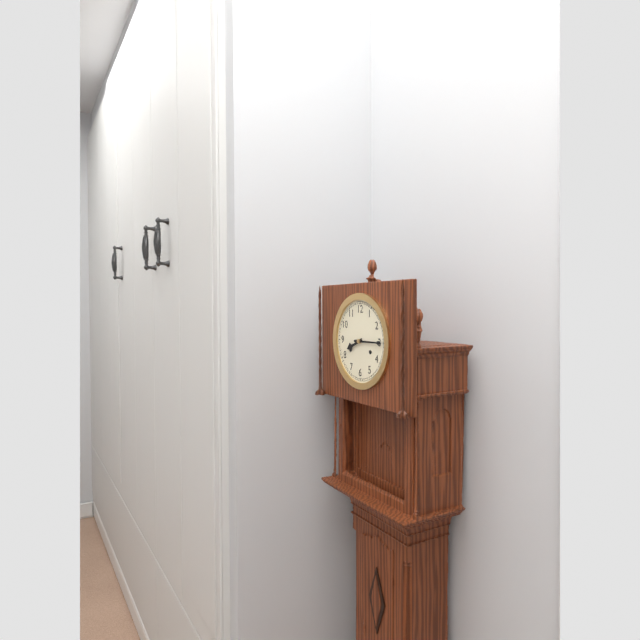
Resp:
**8:15**
